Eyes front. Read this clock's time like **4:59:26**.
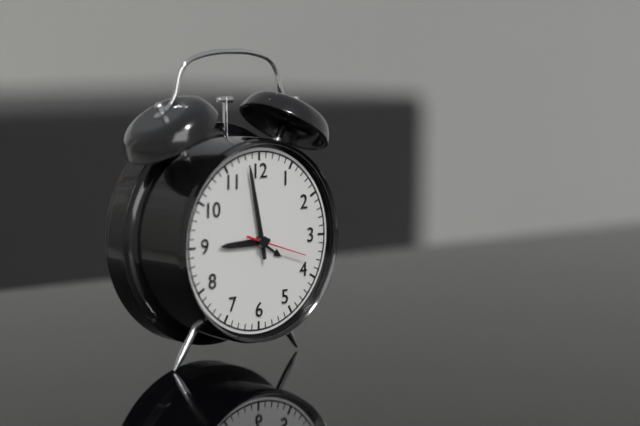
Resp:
**8:58:18**
